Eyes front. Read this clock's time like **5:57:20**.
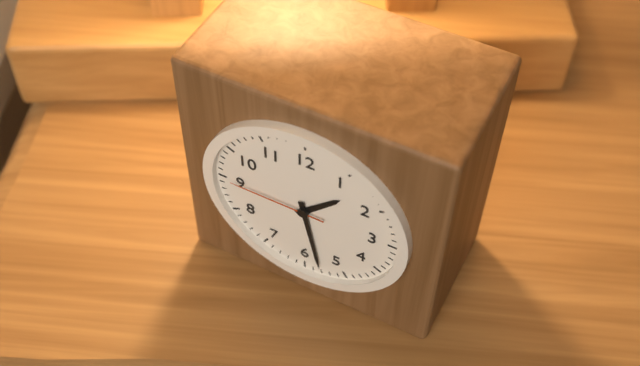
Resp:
**1:28:45**
